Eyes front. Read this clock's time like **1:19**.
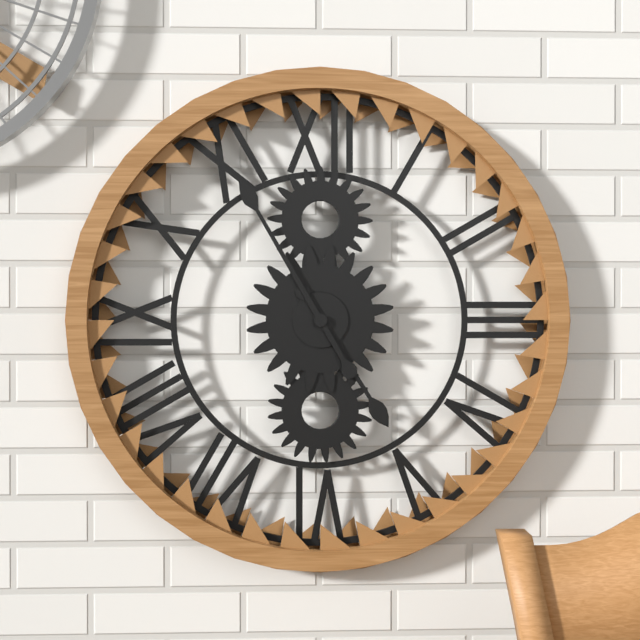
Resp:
**4:55**
